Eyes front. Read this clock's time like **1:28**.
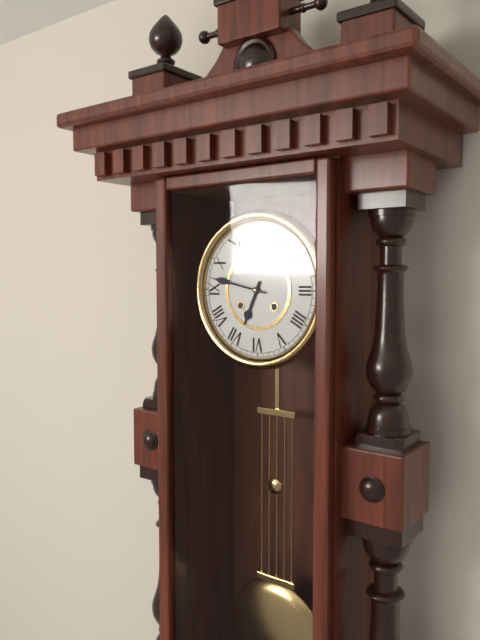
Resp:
**6:47**
